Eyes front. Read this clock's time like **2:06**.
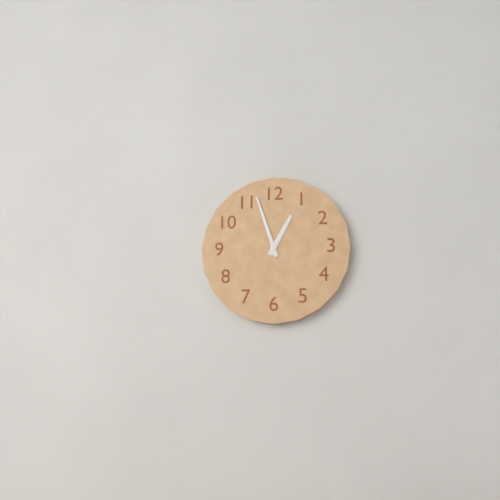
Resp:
**12:57**
